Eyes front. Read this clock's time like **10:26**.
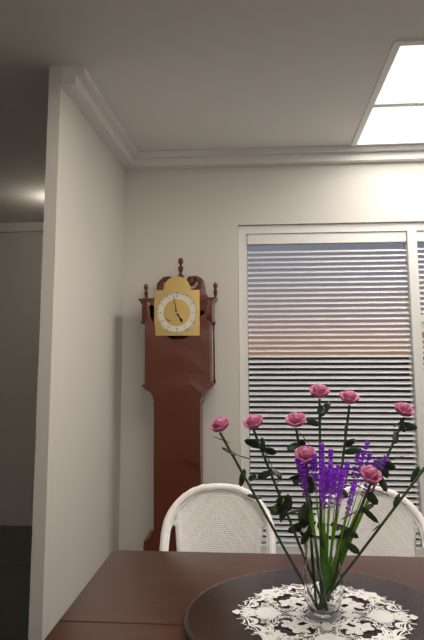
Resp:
**4:58**
